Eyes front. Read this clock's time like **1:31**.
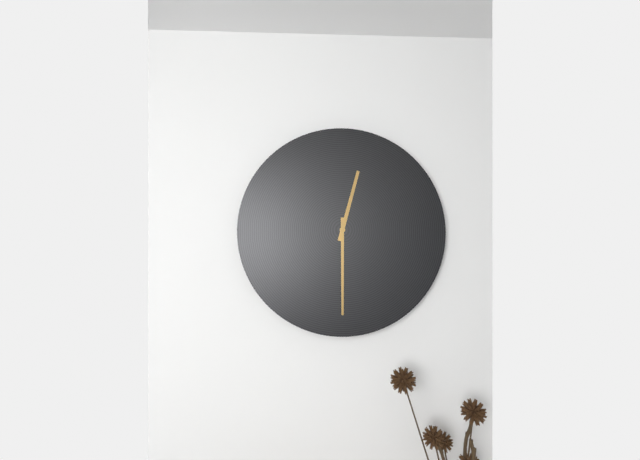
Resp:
**12:30**
